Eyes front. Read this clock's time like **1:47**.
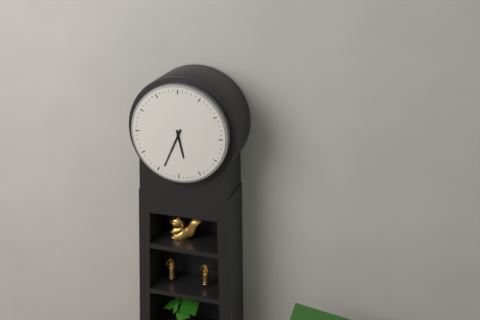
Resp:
**5:34**
